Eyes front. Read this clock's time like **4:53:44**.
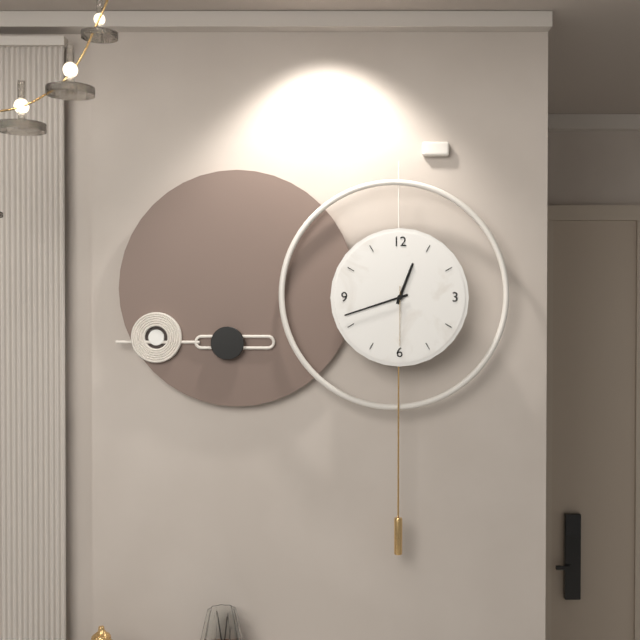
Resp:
**12:42:30**
